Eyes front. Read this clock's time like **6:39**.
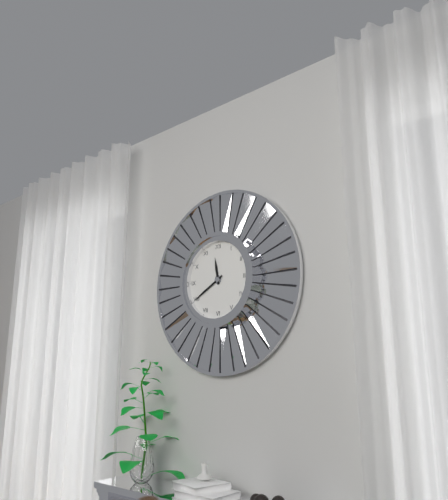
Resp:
**11:40**
